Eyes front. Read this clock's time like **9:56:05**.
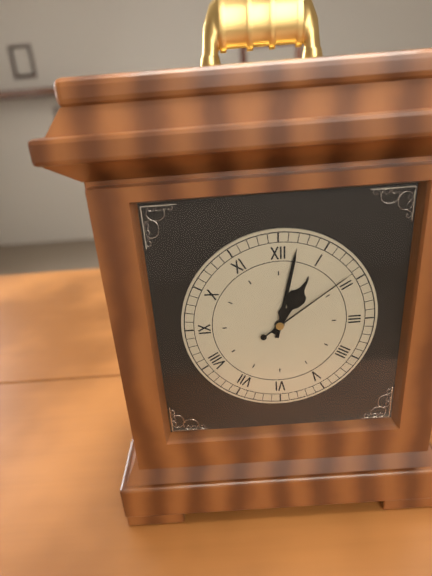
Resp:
**1:02:09**
